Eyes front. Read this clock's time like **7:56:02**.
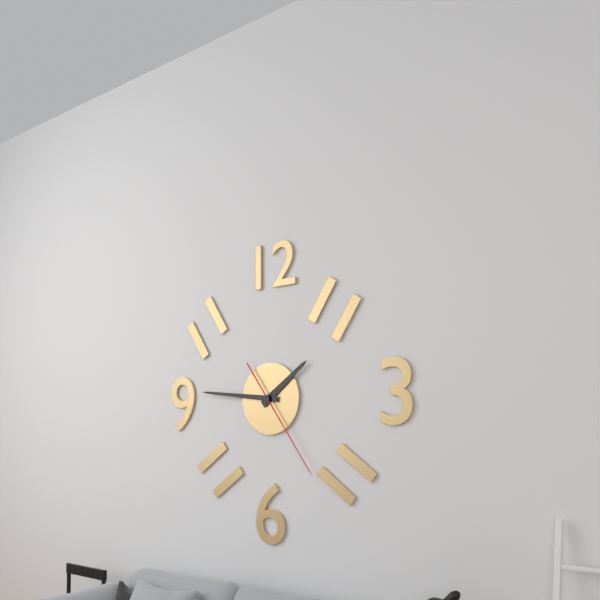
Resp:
**1:46:24**
